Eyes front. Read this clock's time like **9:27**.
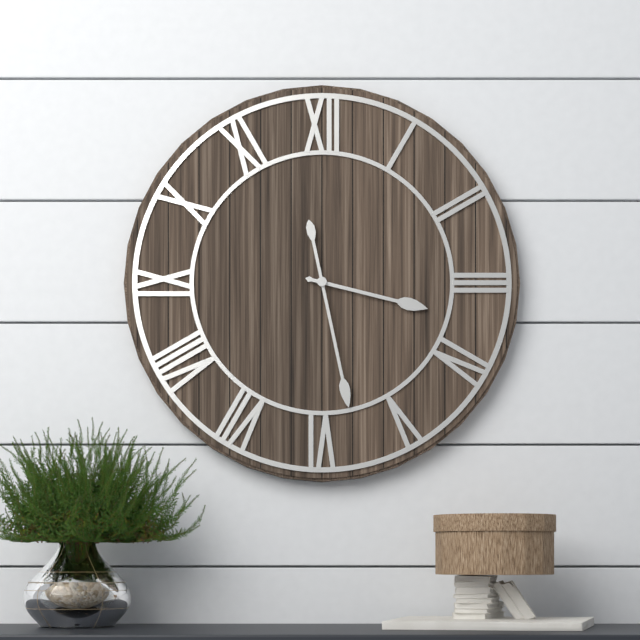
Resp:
**3:28**
